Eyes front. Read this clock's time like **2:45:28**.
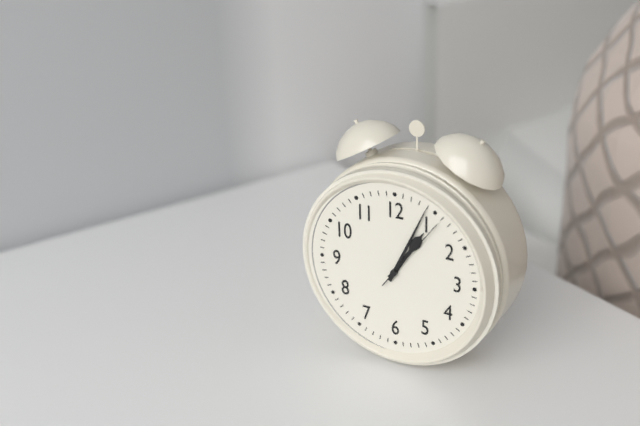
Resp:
**1:04:06**
